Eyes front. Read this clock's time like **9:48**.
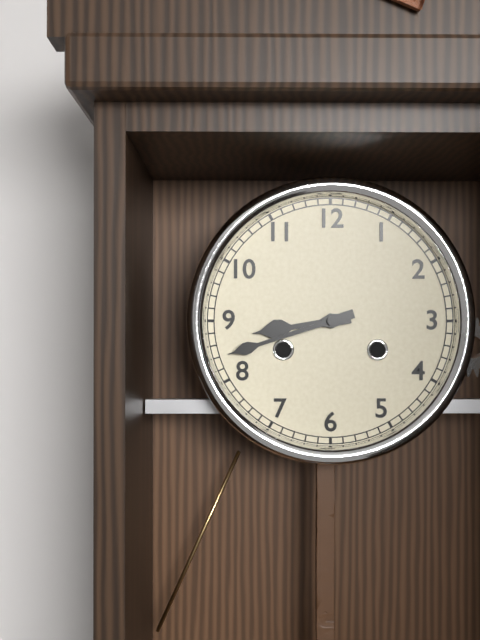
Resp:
**8:42**
